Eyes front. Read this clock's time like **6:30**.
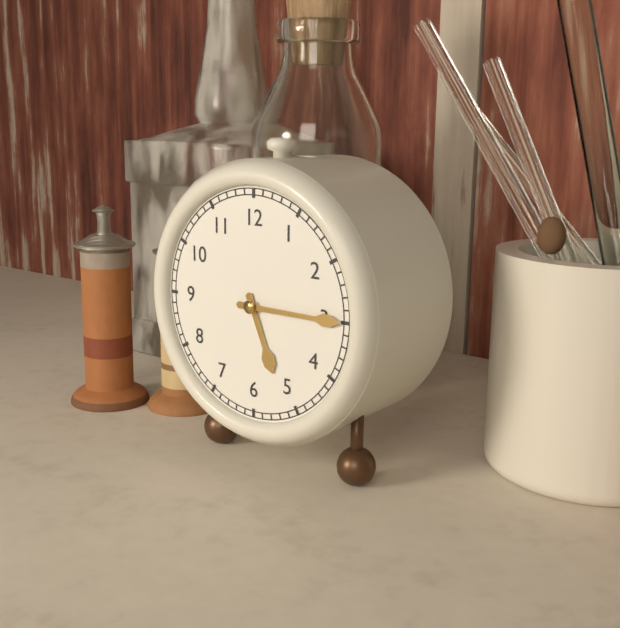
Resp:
**5:15**
